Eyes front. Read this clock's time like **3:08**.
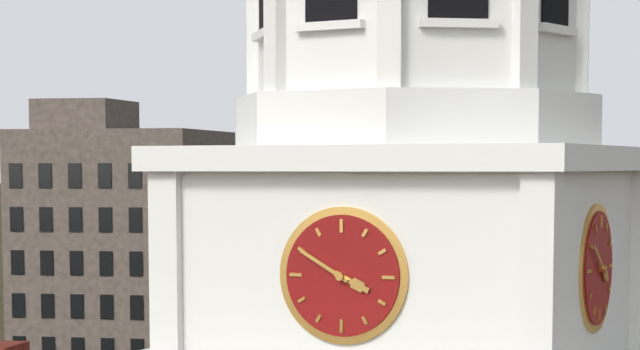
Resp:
**3:50**
